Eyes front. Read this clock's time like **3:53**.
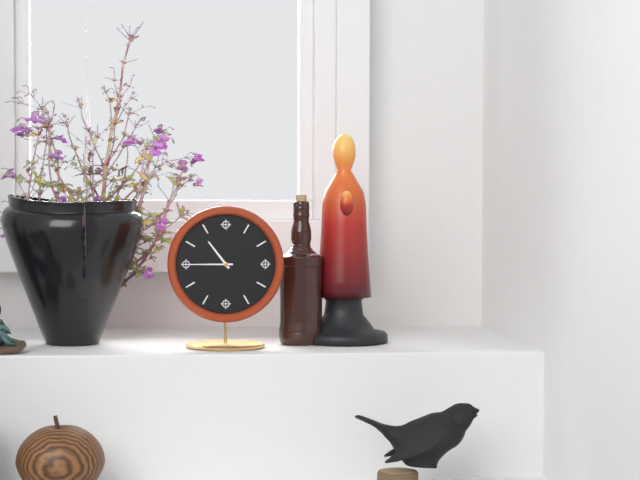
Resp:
**10:45**
